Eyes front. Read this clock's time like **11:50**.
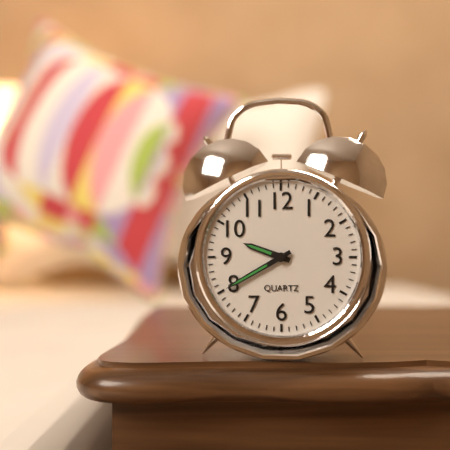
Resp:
**9:40**
